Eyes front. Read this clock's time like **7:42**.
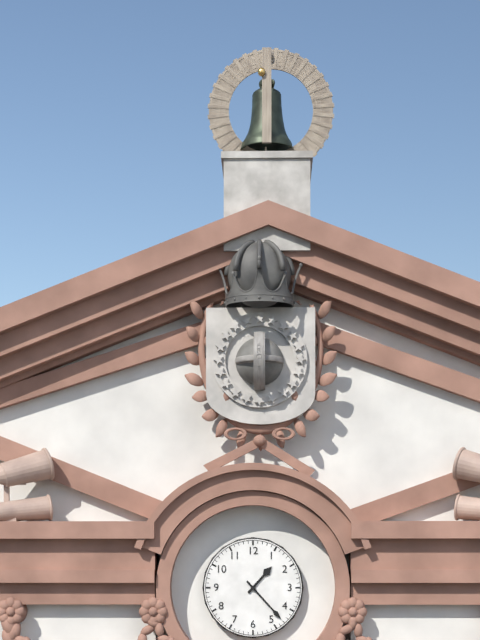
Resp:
**1:23**
